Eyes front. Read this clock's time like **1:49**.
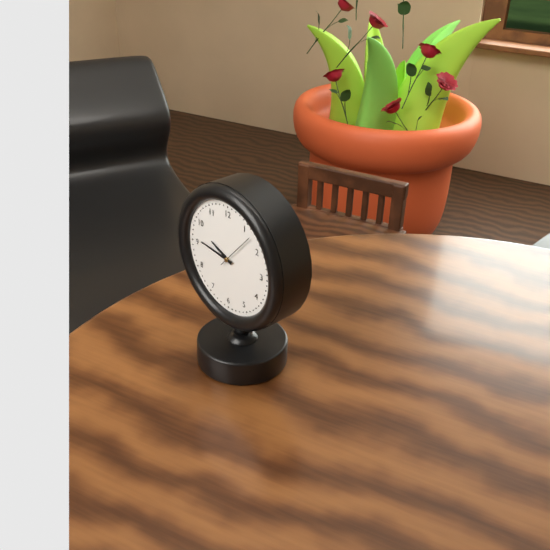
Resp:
**9:46**
